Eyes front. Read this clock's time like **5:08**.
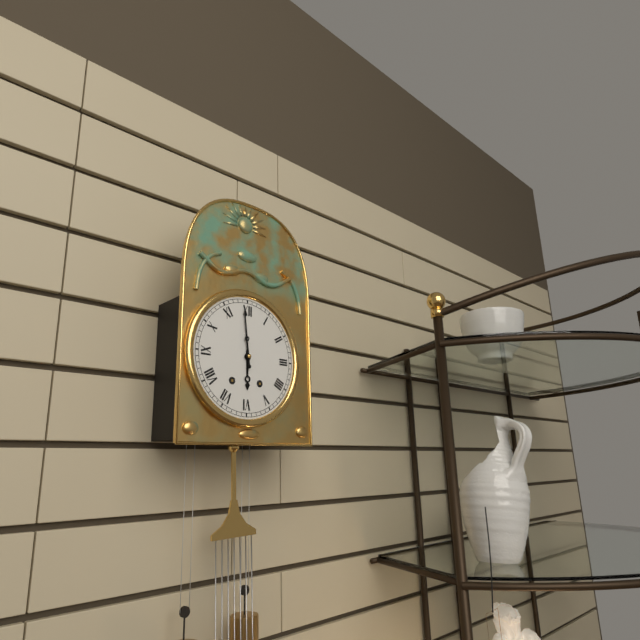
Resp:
**5:59**
